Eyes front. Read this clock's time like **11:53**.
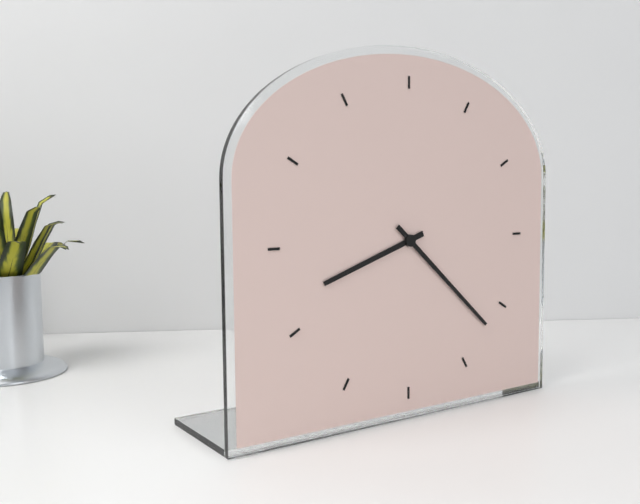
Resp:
**8:22**
